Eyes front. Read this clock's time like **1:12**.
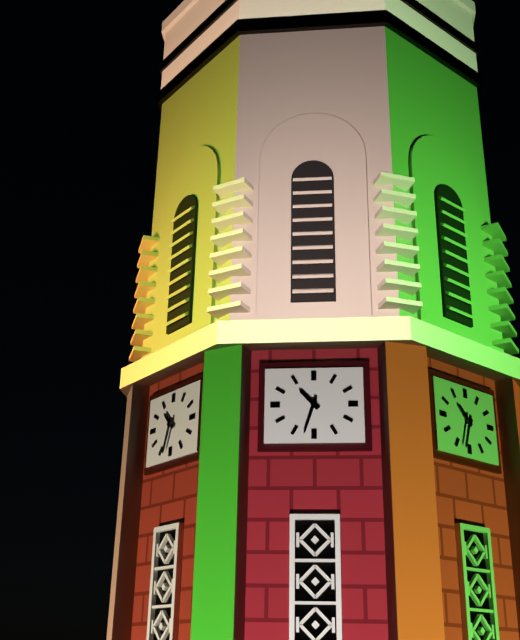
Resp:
**10:33**
